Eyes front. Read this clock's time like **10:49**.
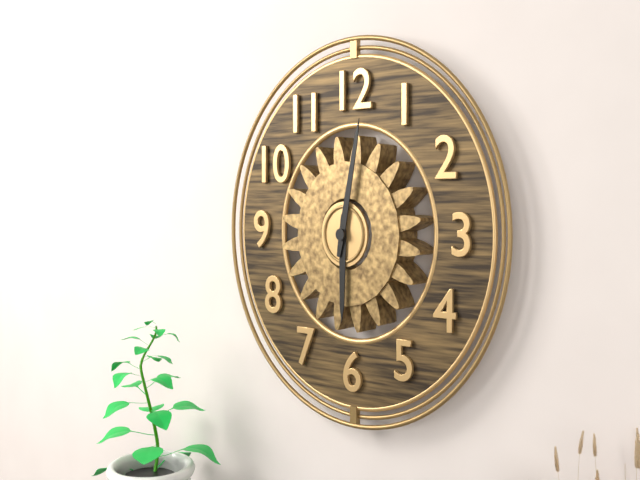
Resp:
**6:02**
